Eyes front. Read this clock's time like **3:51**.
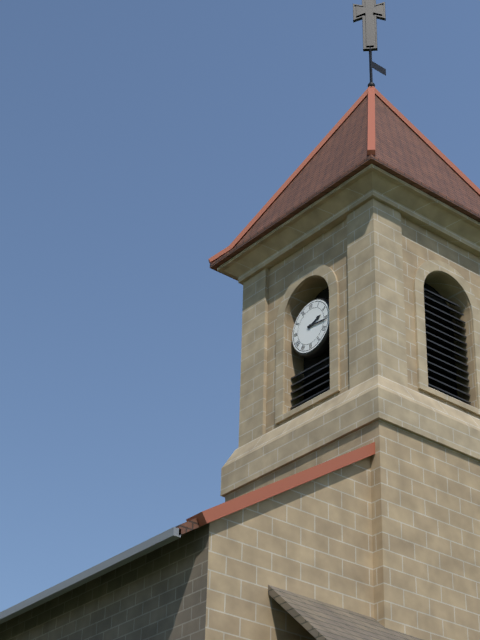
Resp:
**2:16**
